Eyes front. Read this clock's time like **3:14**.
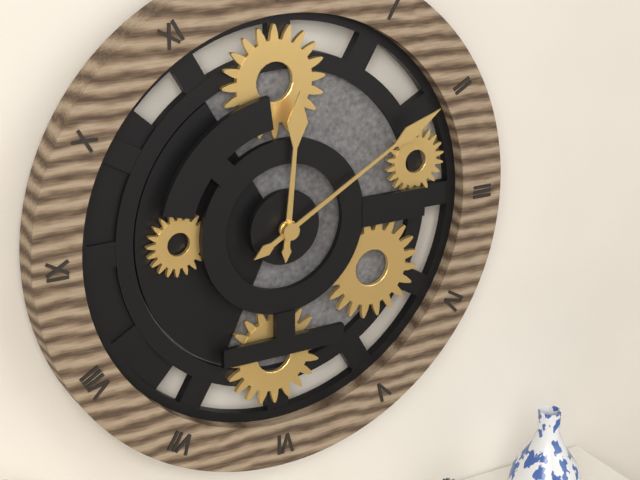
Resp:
**12:10**
